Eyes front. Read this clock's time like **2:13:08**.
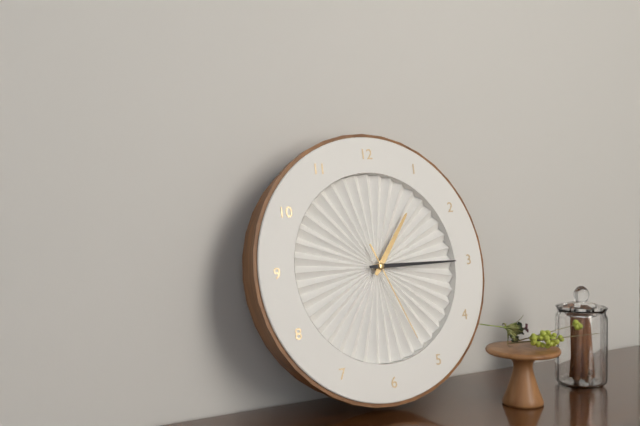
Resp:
**1:15:26**
